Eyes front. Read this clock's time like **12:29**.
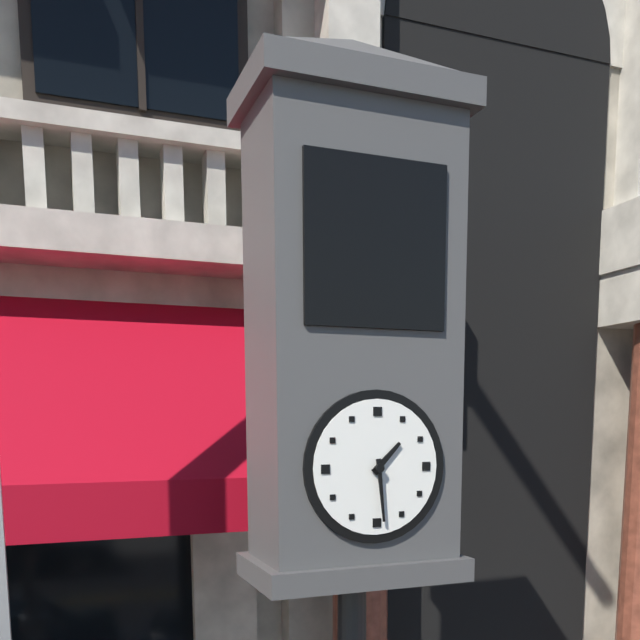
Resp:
**1:29**
